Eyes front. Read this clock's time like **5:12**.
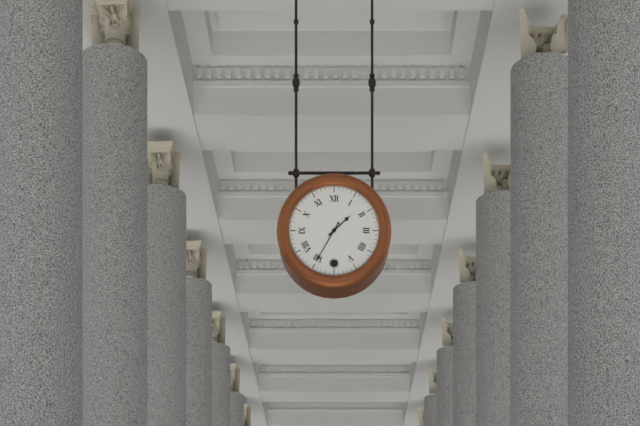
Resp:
**1:35**
